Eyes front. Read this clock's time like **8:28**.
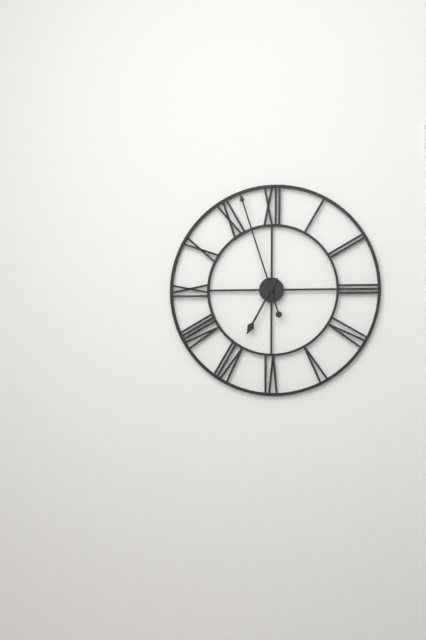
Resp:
**6:57**
